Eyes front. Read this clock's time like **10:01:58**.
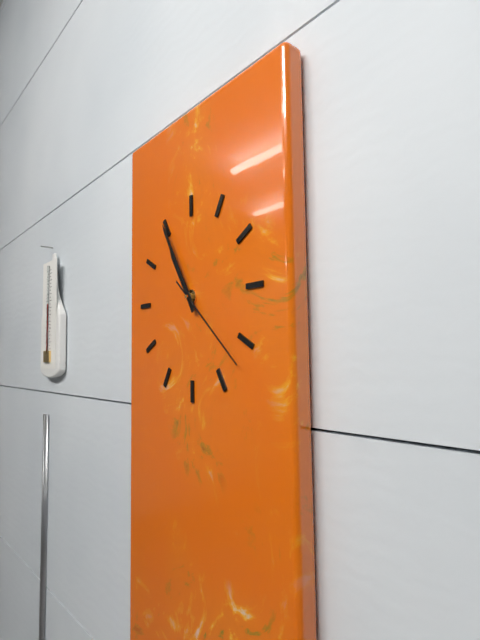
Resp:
**10:55:22**
